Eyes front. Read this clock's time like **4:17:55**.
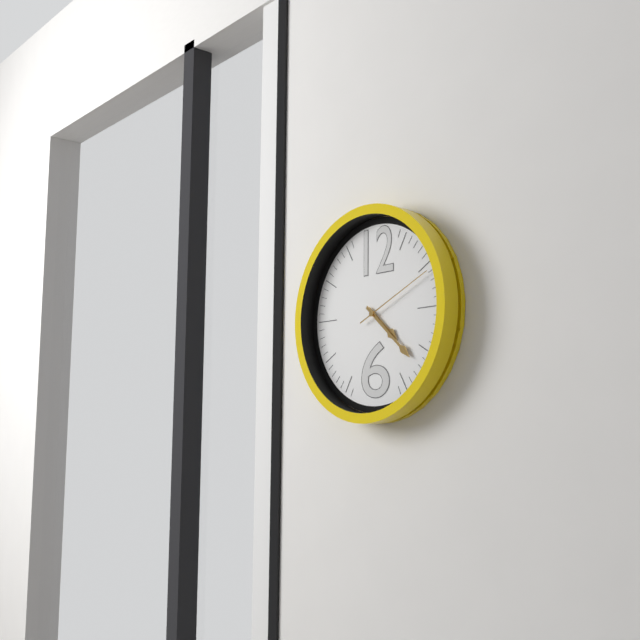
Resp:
**4:22:11**
